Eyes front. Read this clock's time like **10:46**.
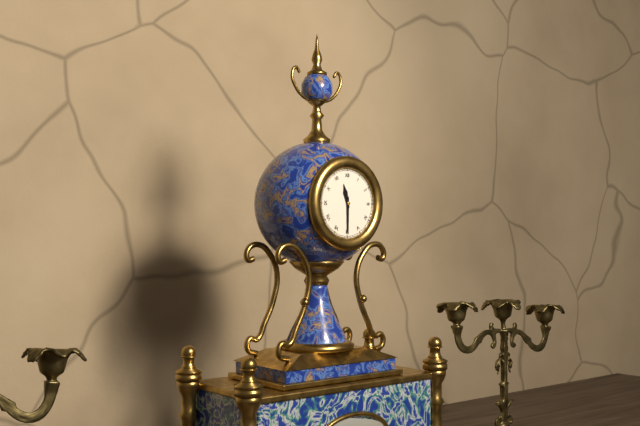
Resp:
**11:30**
